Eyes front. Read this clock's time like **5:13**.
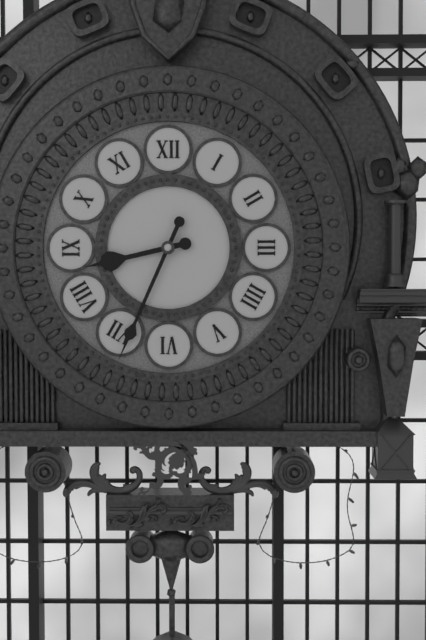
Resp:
**8:34**
